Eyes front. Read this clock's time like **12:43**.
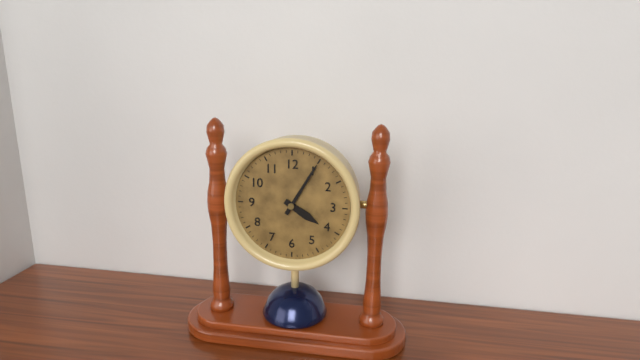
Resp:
**4:05**
